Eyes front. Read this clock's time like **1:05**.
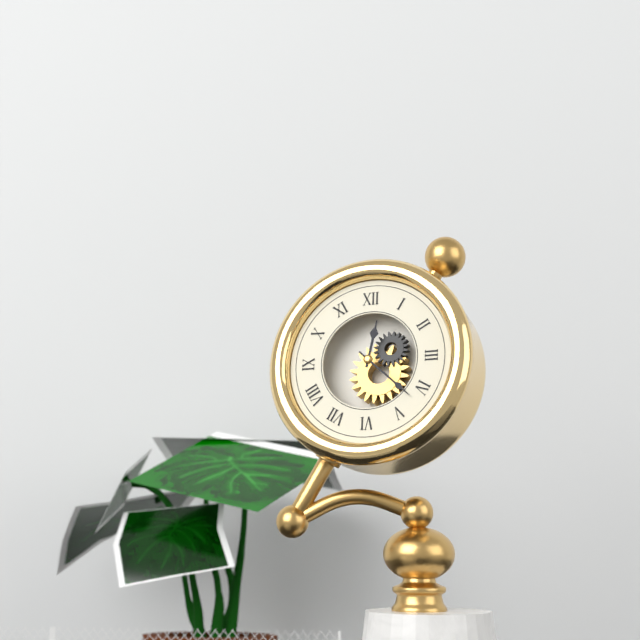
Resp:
**12:22**
